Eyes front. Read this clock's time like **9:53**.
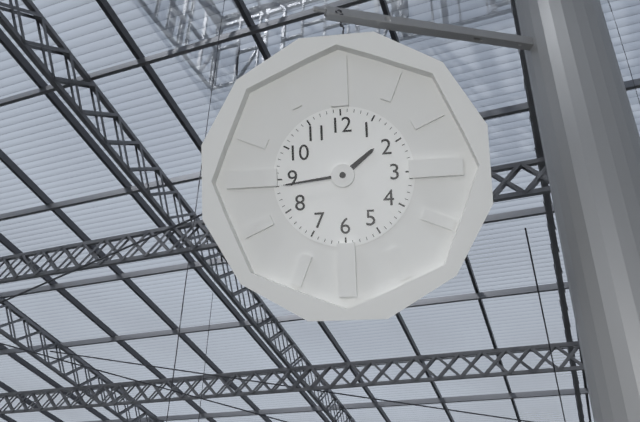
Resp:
**1:44**
